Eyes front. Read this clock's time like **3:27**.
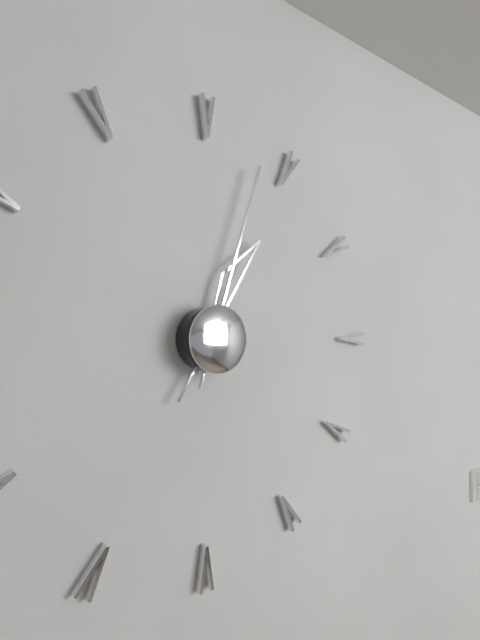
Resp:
**1:03**
